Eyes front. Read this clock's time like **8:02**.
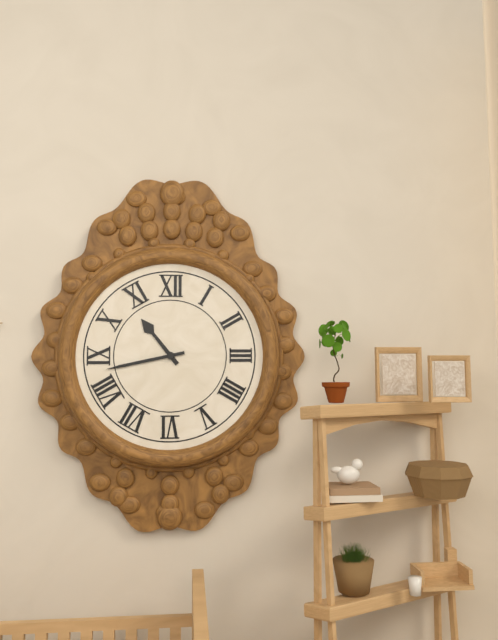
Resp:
**10:43**
